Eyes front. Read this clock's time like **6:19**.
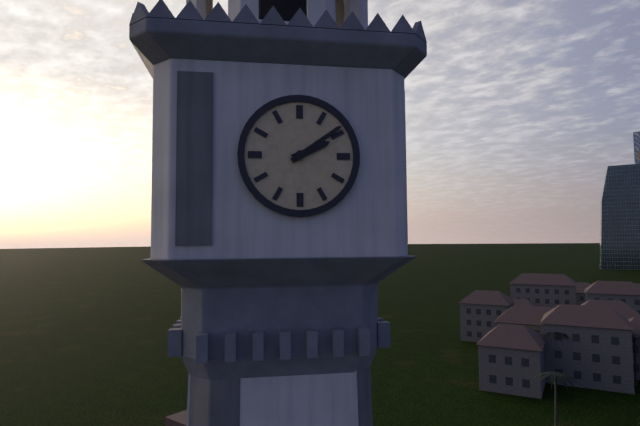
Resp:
**2:09**
